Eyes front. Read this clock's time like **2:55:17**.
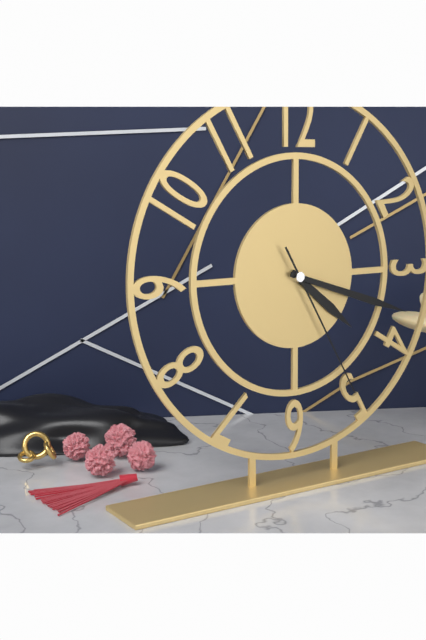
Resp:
**4:18:25**
